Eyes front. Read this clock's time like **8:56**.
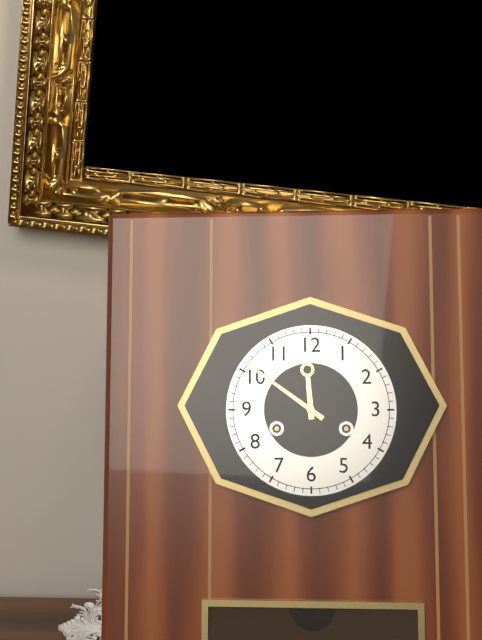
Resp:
**11:51**
